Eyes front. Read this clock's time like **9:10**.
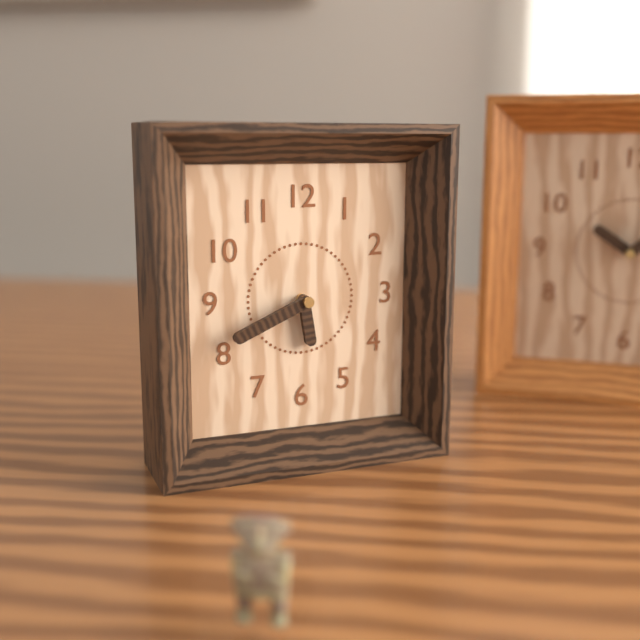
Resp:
**5:41**
